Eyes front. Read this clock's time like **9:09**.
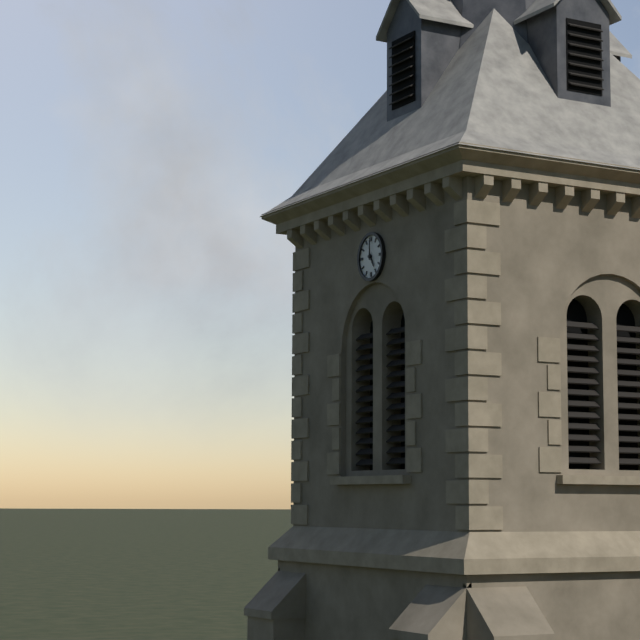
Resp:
**5:00**
